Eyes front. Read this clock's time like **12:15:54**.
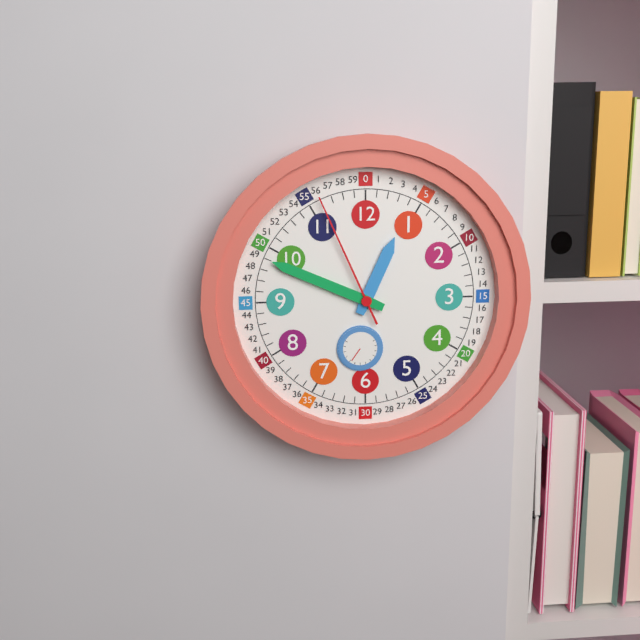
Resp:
**12:49:56**
